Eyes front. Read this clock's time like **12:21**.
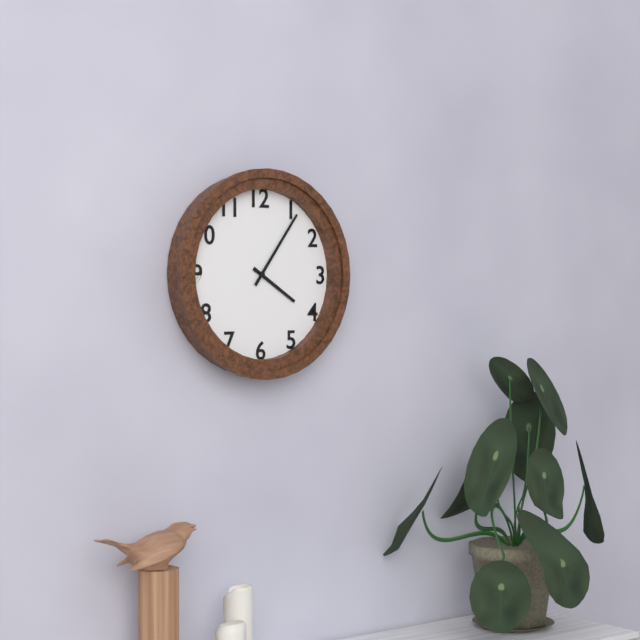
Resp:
**4:06**
